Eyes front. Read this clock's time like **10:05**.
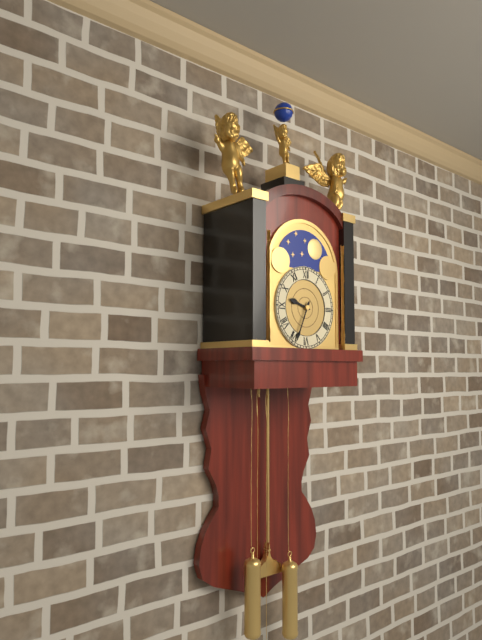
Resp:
**9:34**
